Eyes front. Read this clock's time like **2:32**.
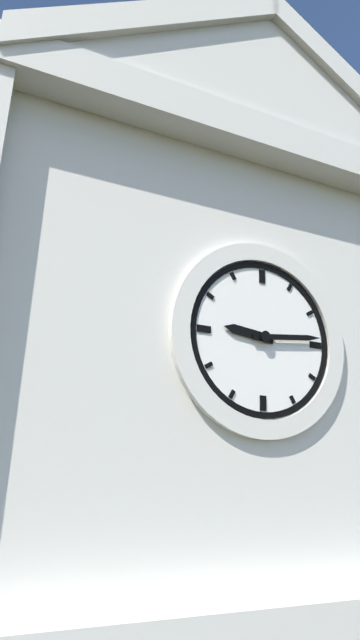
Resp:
**9:14**
